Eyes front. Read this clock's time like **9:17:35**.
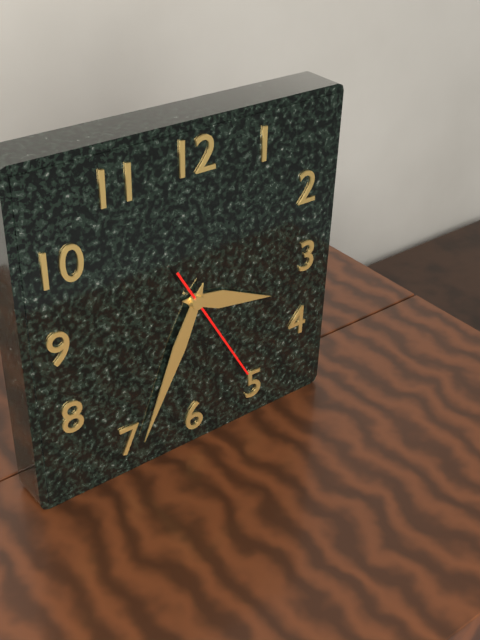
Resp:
**3:34:25**
